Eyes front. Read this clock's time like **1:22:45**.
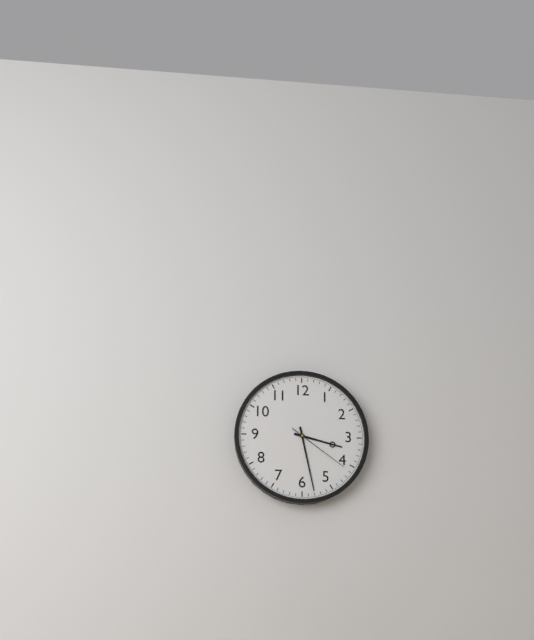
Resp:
**3:28:21**
